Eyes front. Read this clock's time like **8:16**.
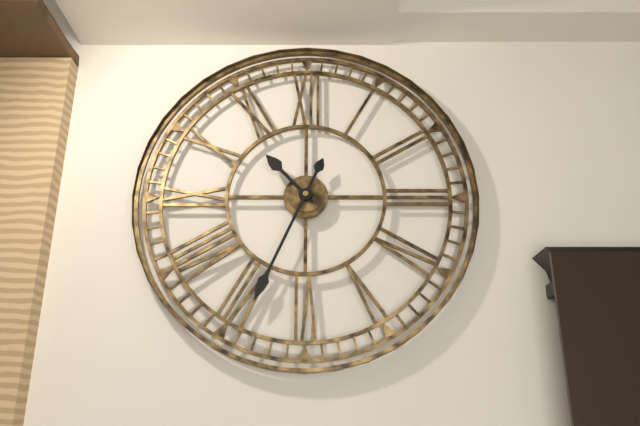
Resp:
**10:34**
